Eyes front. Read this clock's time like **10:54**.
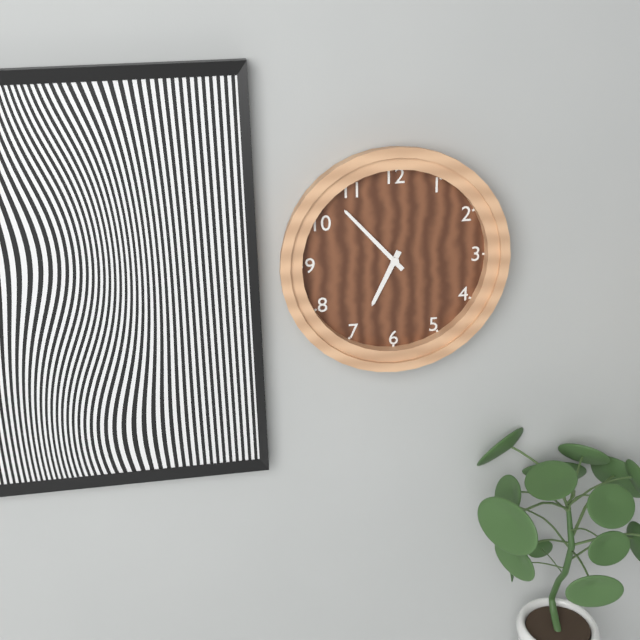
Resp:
**6:53**
